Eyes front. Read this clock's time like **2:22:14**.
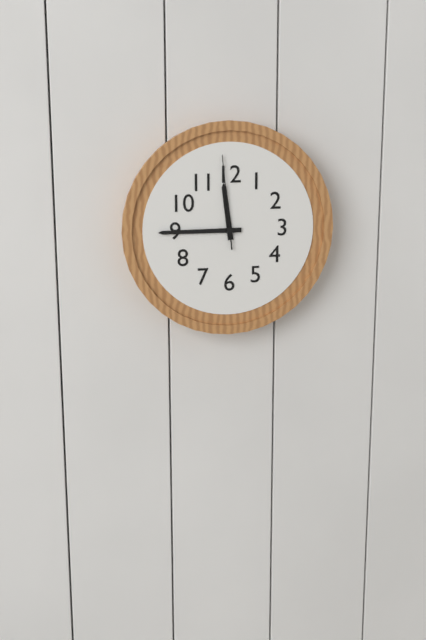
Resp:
**11:45:59**
